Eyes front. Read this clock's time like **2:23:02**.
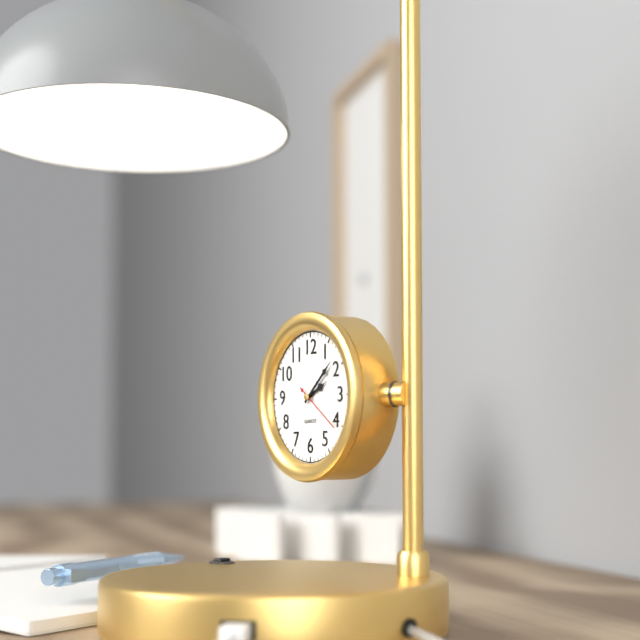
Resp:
**2:08:21**
